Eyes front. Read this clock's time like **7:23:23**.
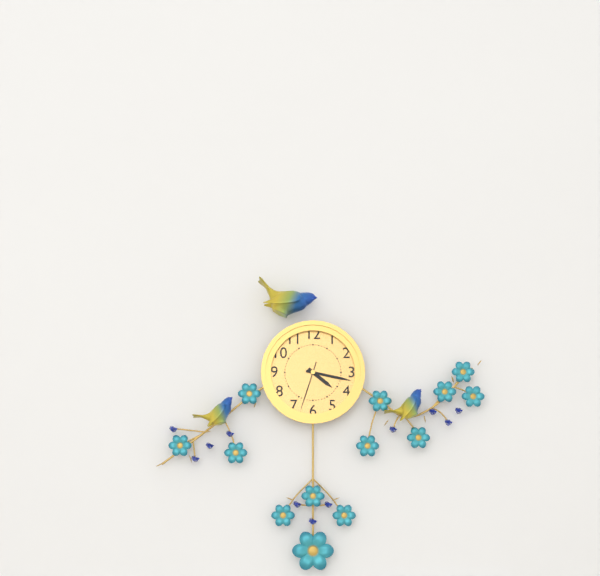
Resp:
**4:17:33**
